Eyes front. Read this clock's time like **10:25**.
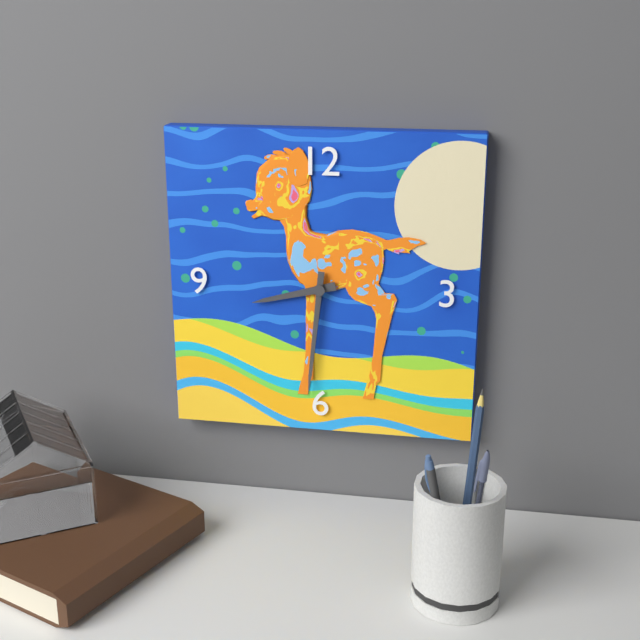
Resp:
**8:31**
